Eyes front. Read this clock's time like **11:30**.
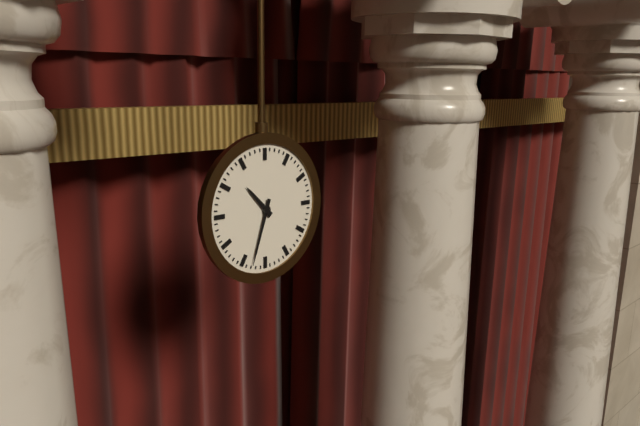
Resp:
**10:33**
